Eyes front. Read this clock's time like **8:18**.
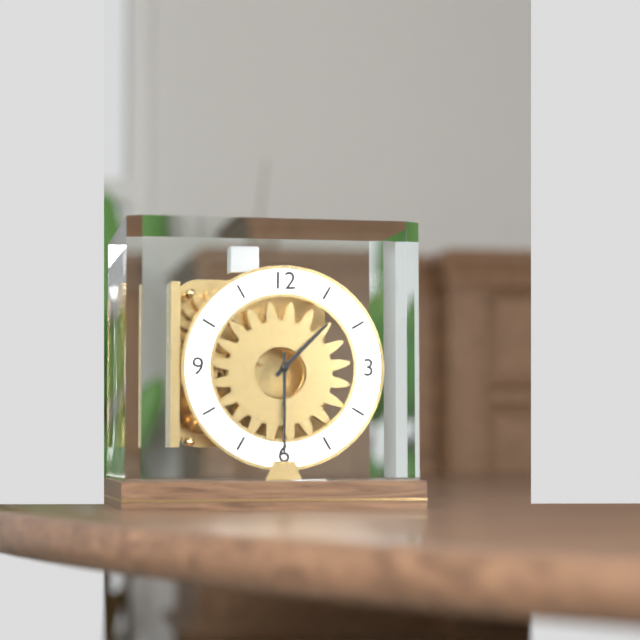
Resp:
**1:30**
